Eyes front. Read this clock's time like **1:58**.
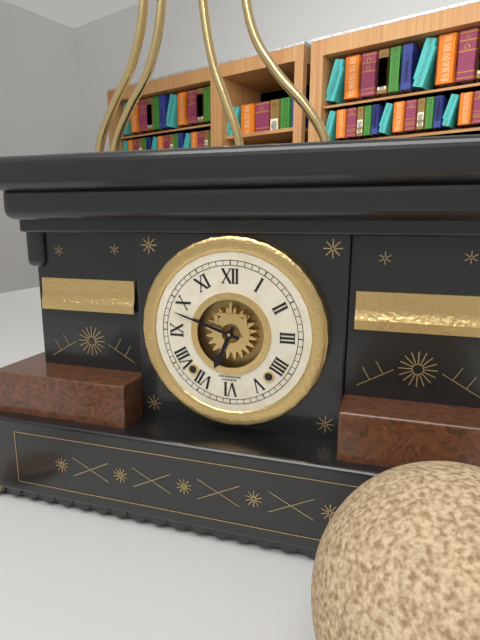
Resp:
**6:48**
